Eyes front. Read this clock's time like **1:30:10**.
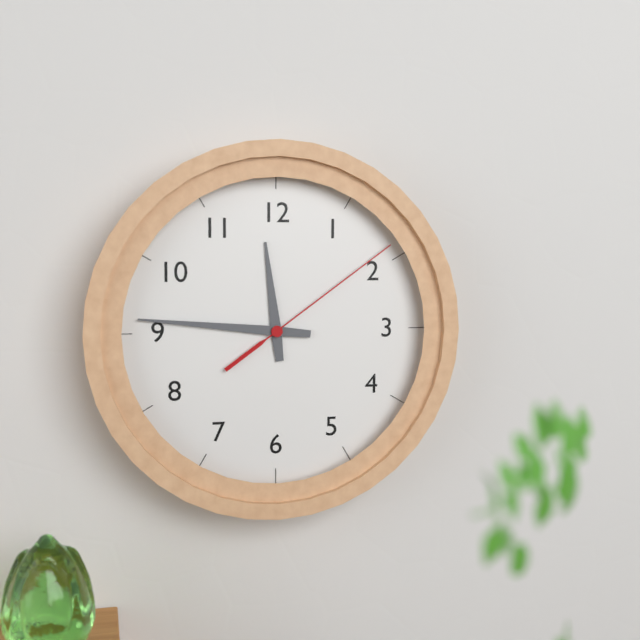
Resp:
**11:46:09**
